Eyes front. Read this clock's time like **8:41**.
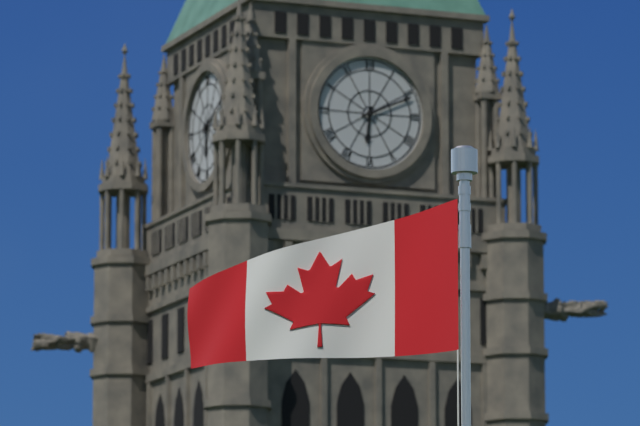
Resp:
**6:11**
